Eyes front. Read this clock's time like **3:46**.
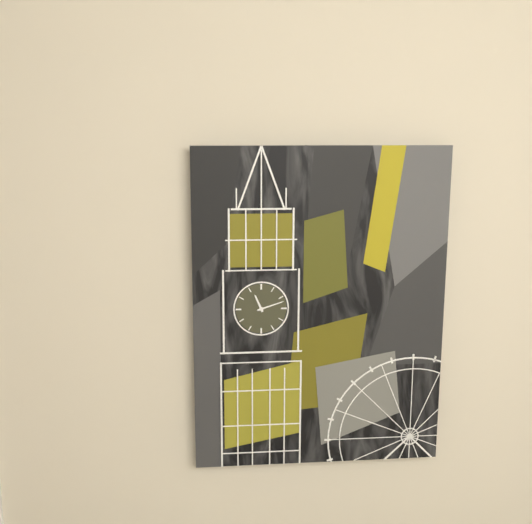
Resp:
**11:12**
